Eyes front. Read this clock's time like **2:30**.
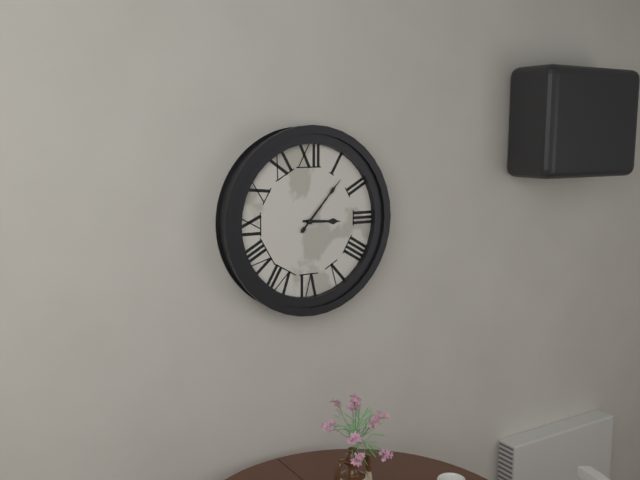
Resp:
**3:07**
